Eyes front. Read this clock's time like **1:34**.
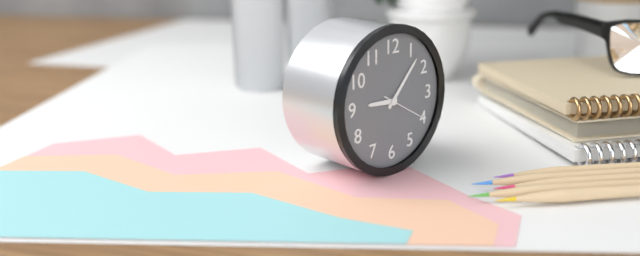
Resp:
**9:07**
